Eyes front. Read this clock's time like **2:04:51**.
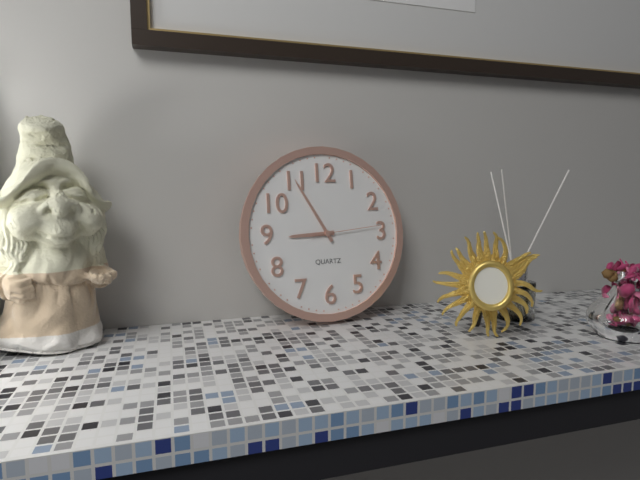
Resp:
**8:55:14**
